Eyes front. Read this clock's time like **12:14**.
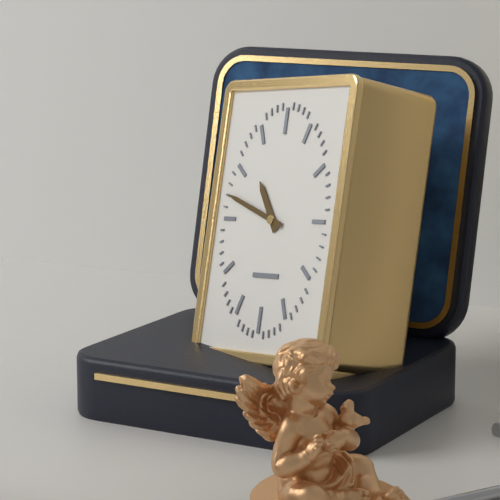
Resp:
**10:48**
